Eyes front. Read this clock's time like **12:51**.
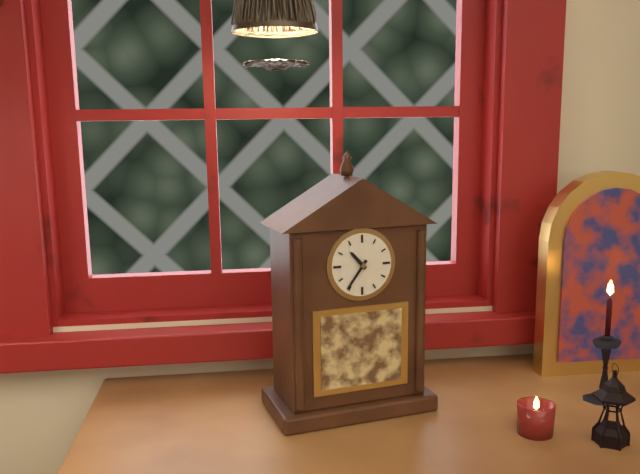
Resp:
**10:36**
